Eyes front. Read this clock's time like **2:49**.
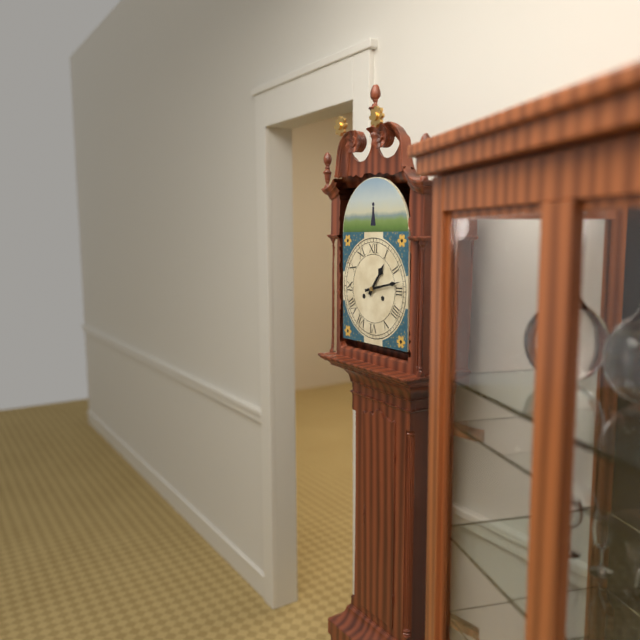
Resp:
**1:13**
